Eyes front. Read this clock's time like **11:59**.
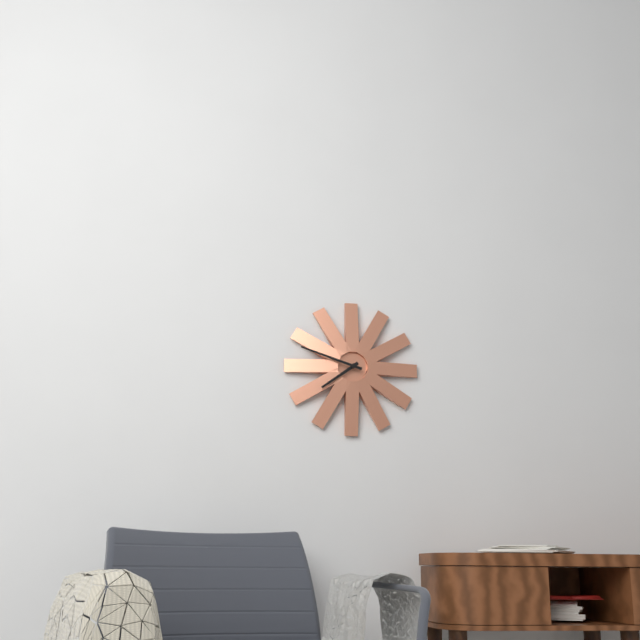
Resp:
**7:48**
